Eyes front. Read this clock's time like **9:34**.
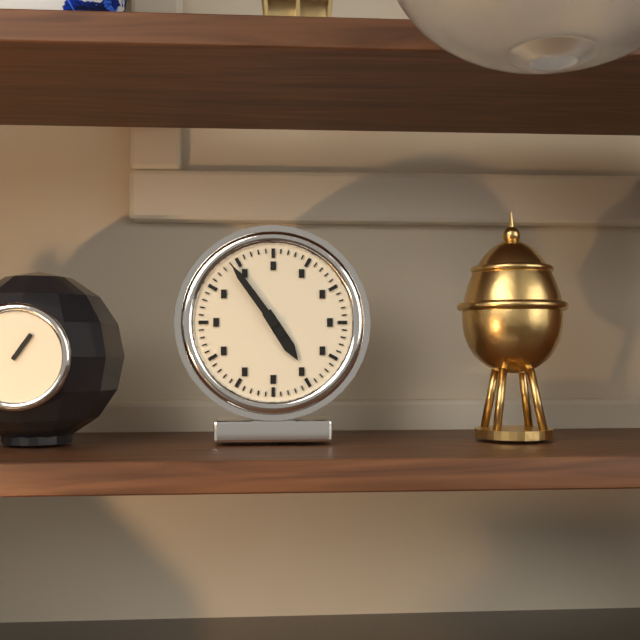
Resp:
**4:54**
